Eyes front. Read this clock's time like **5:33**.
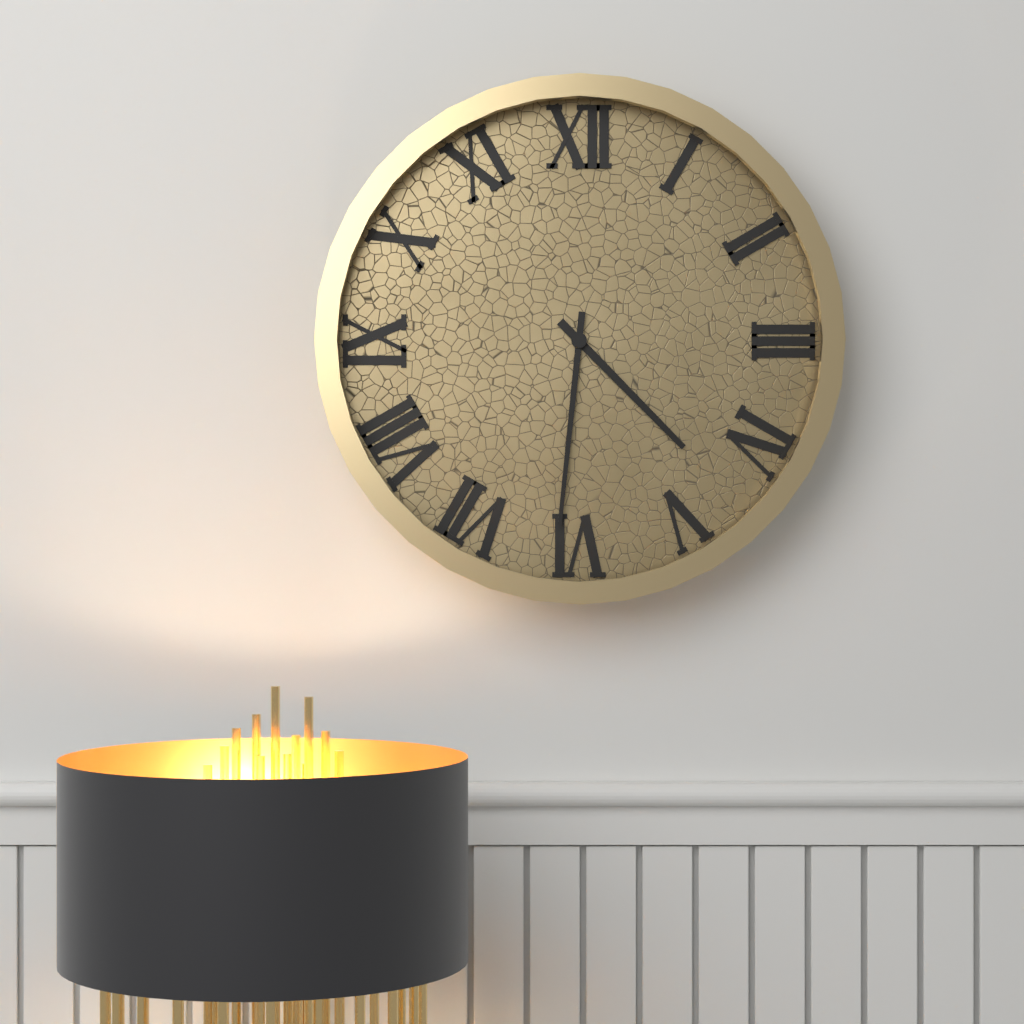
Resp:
**4:31**
